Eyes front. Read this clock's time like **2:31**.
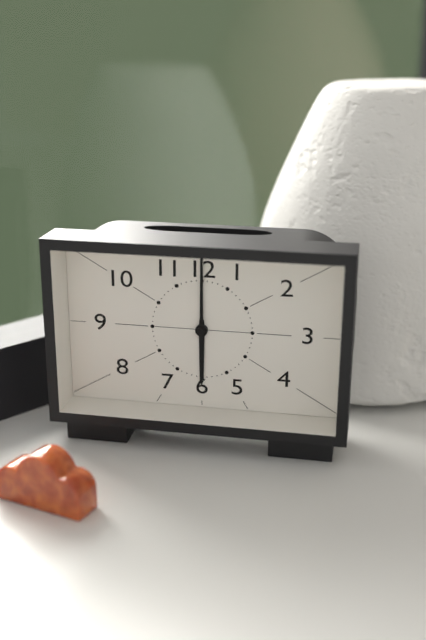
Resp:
**6:00**
